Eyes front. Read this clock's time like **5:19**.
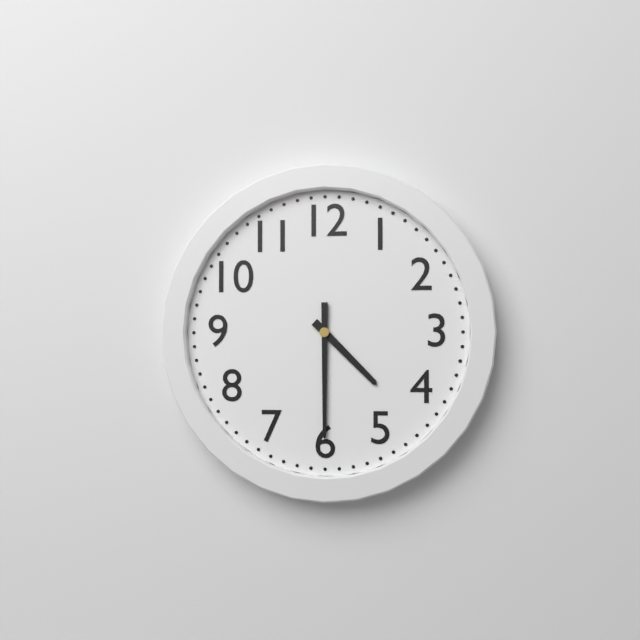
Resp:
**4:30**
